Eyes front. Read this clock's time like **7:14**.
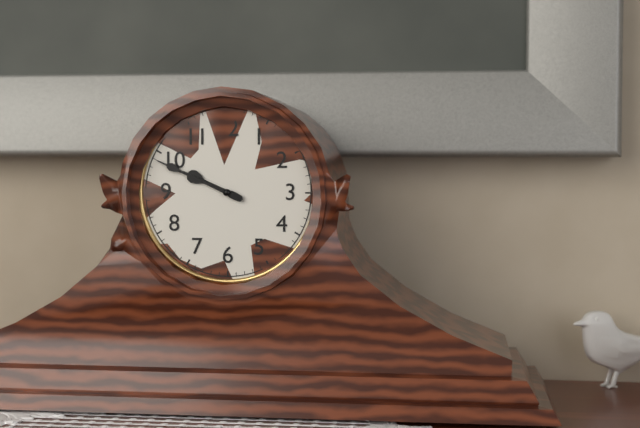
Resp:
**9:49**
